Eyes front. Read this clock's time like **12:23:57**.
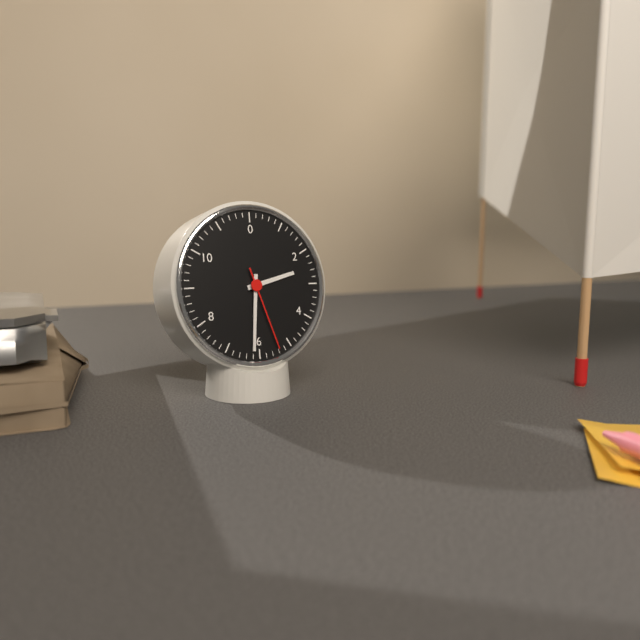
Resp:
**2:31:27**
